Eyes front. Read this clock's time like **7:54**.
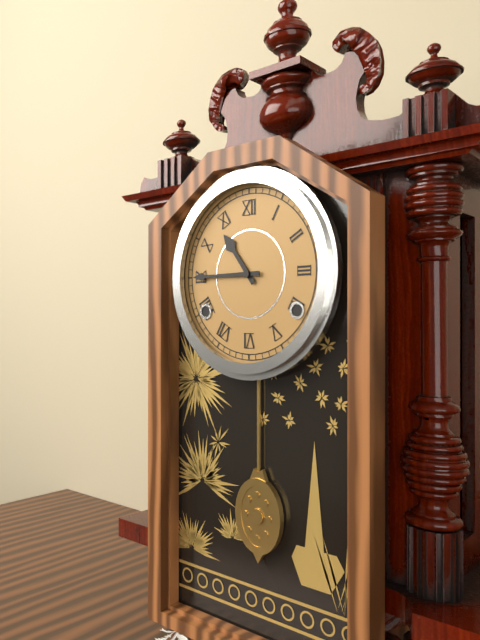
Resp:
**10:45**
